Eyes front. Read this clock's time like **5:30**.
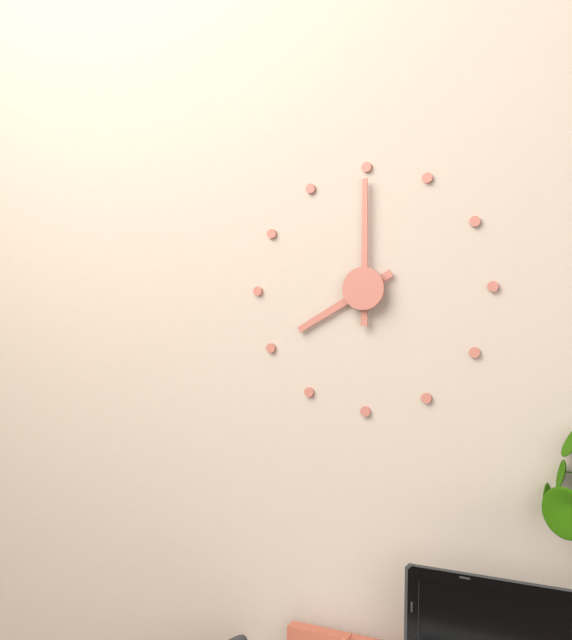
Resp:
**8:00**
